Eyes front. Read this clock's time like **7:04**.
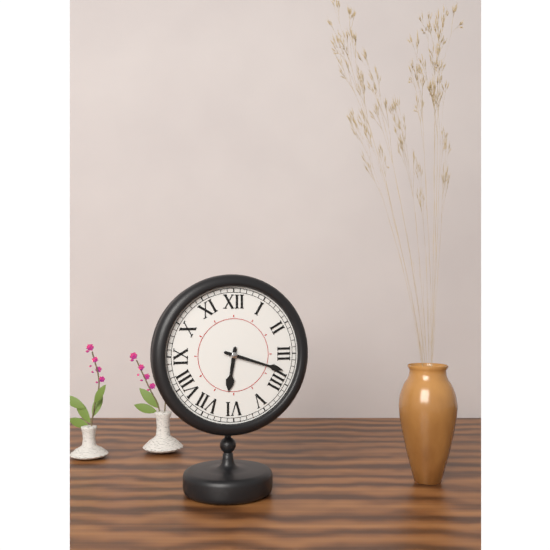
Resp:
**6:18**
